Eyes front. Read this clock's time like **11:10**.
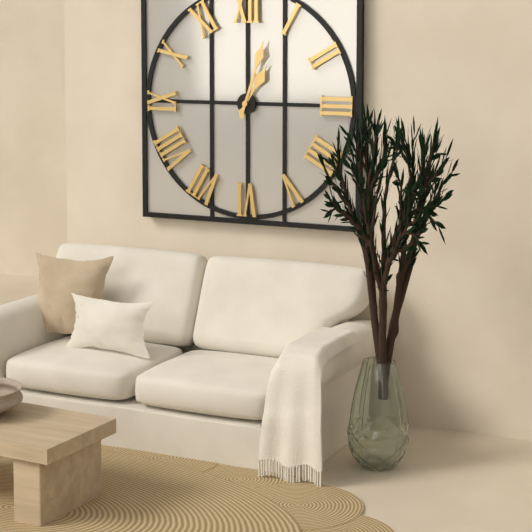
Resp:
**1:03**
